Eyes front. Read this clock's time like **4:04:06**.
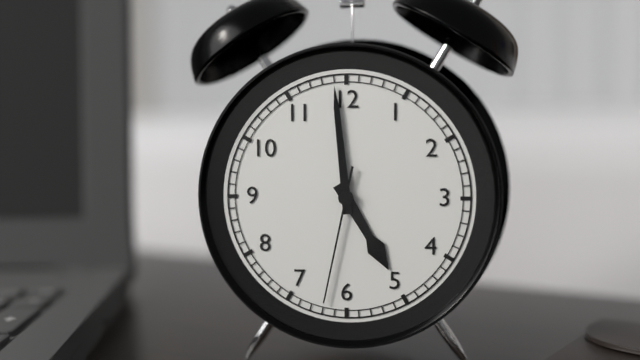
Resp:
**4:59:32**
